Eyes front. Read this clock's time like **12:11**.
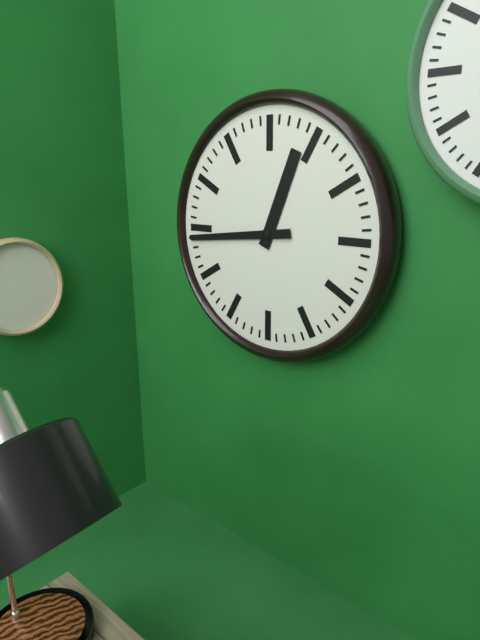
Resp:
**12:44**
